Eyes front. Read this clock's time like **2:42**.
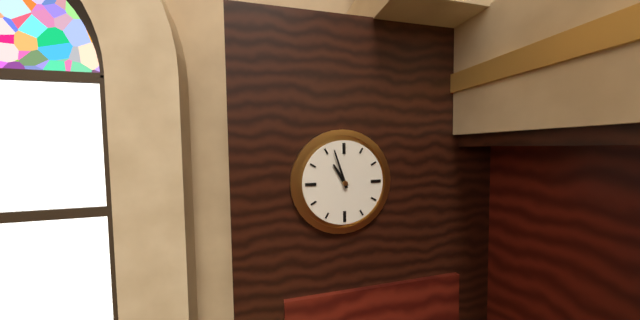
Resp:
**10:57**
